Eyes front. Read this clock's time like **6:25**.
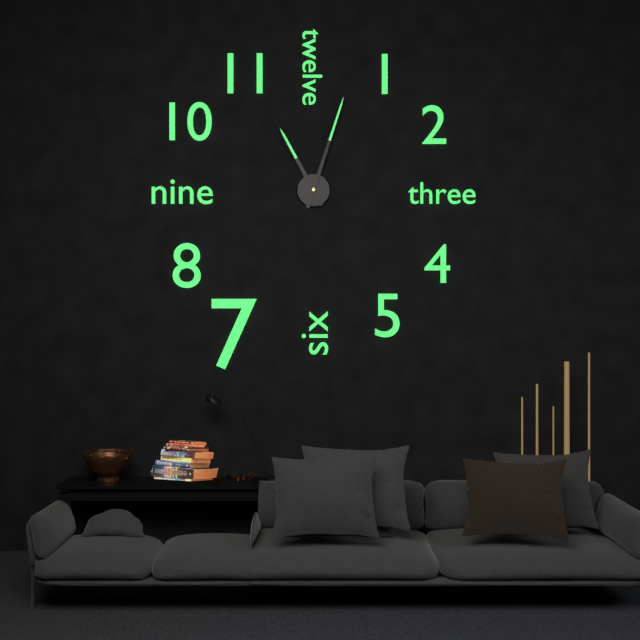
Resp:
**11:03**
